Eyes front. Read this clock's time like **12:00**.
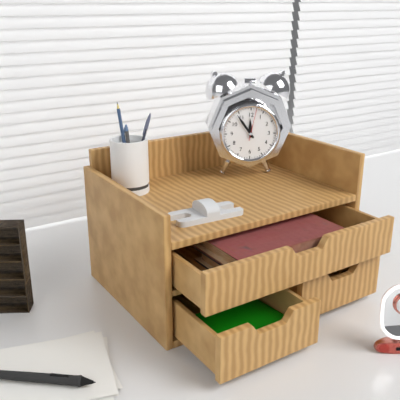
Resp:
**11:54**
